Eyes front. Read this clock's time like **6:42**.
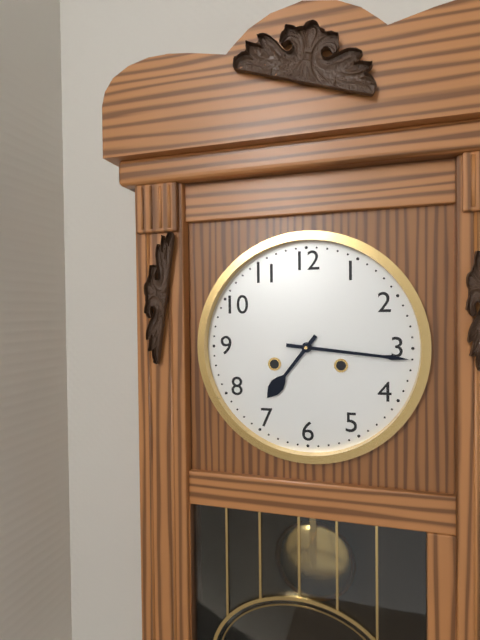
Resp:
**7:16**
